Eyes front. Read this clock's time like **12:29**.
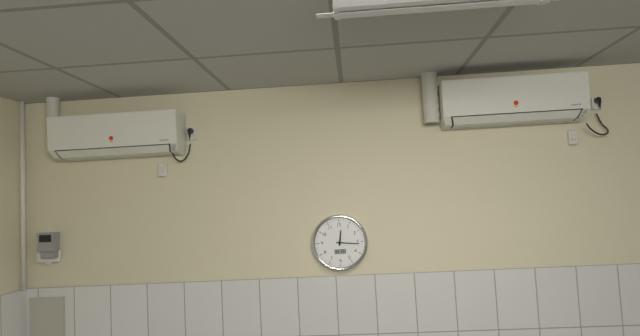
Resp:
**12:16**
